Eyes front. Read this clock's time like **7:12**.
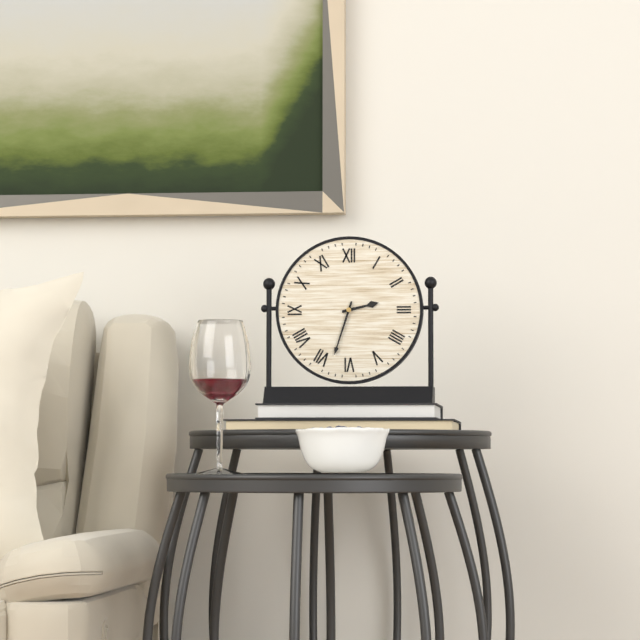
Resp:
**2:33**
